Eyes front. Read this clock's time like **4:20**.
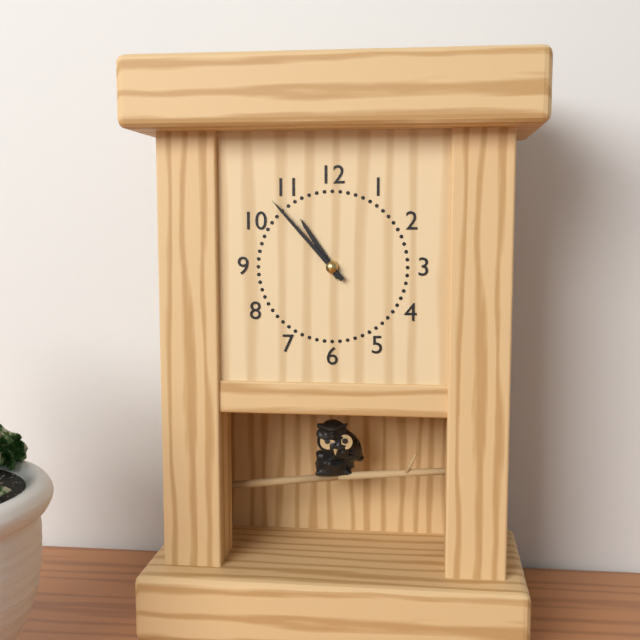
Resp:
**10:53**
